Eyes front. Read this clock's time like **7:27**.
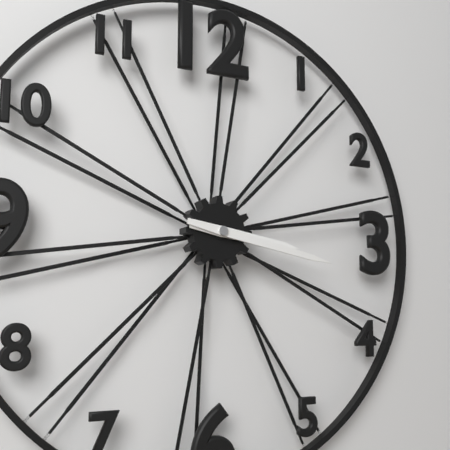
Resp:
**3:17**
